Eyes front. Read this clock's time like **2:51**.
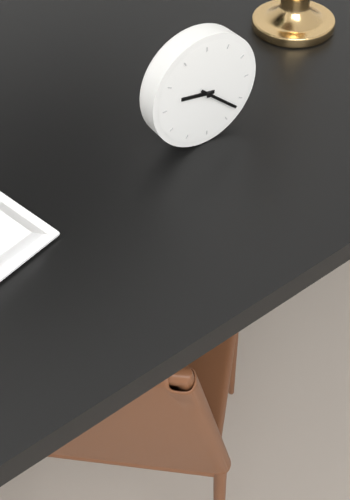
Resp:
**9:22**
